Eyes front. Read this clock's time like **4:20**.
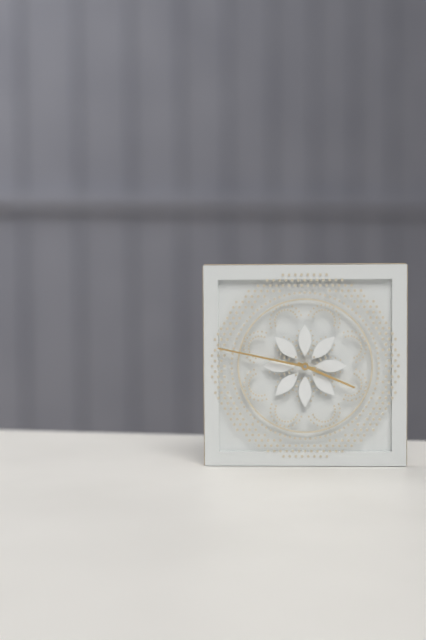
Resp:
**3:47**
